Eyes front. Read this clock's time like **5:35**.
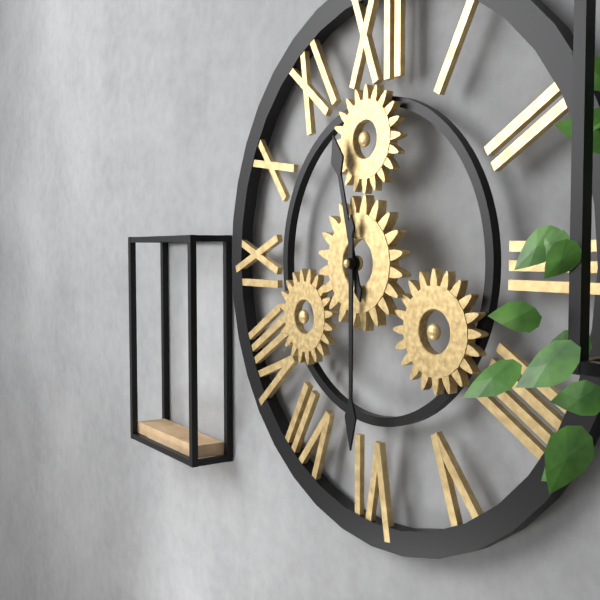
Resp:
**11:30**
